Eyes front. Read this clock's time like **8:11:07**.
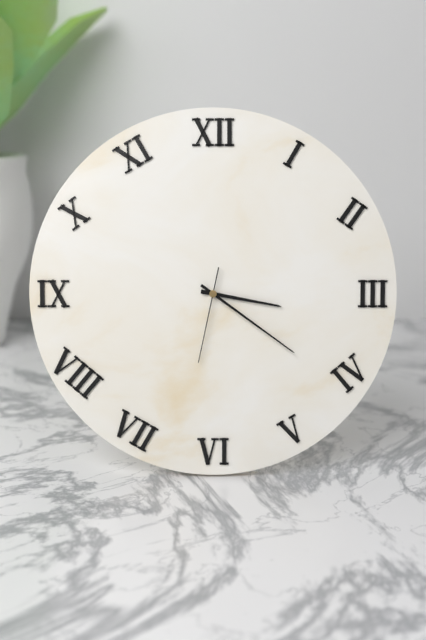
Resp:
**3:21:32**
